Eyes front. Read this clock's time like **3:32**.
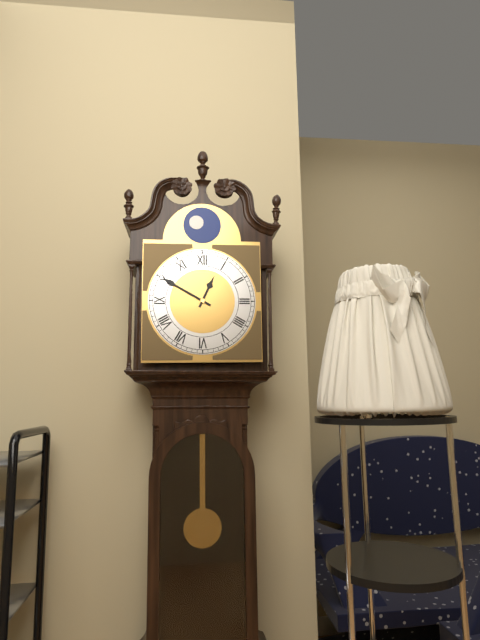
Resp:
**12:50**
